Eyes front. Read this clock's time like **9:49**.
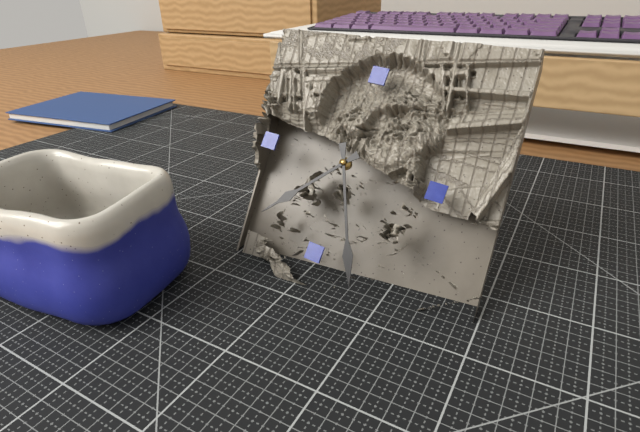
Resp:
**7:26**
